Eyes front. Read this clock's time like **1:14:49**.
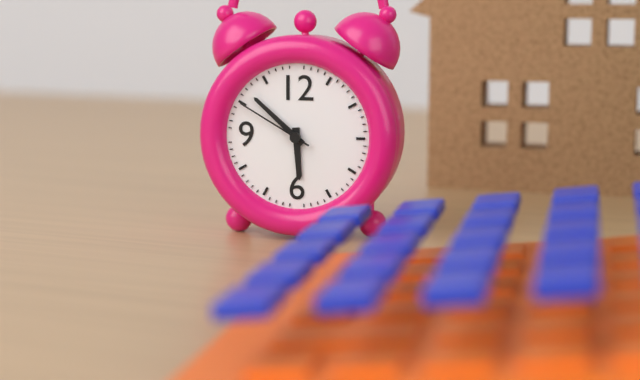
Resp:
**5:52:50**
